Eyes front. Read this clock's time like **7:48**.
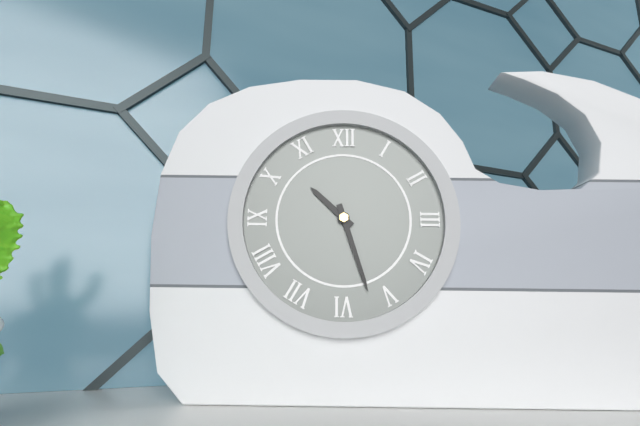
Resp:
**10:27**
